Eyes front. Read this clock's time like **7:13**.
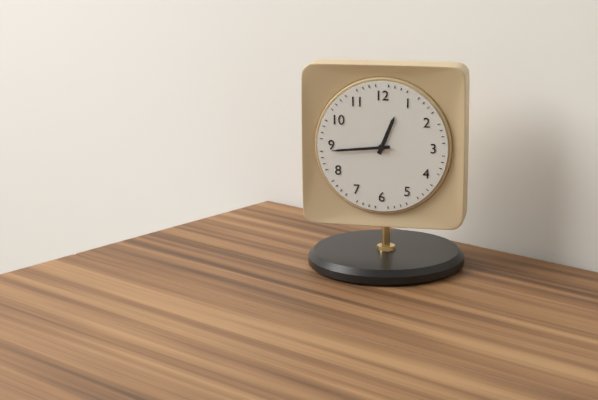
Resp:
**12:44**
